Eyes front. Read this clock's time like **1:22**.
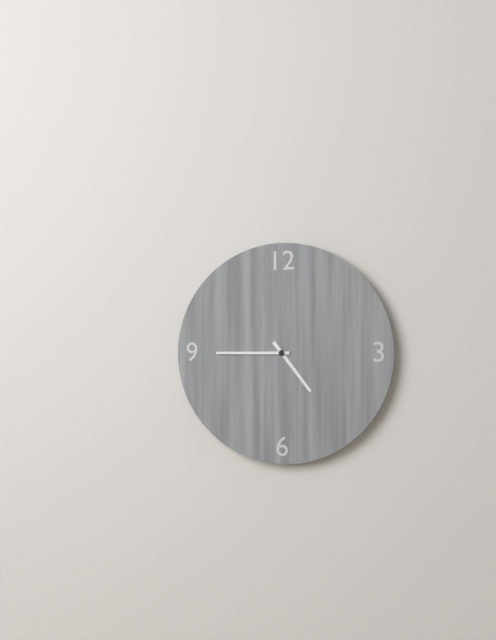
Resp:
**4:45**
